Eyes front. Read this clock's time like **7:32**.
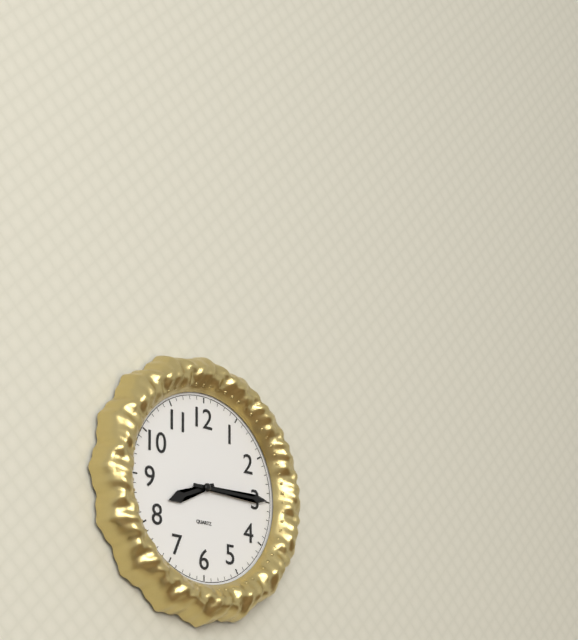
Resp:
**8:15**
